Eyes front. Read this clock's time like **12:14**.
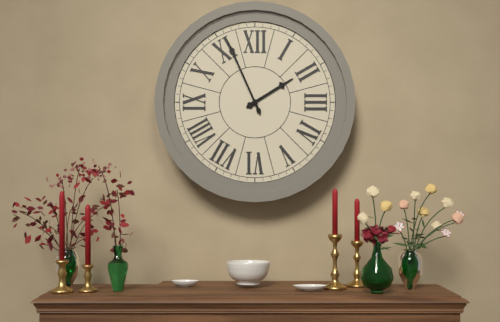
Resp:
**1:56**
